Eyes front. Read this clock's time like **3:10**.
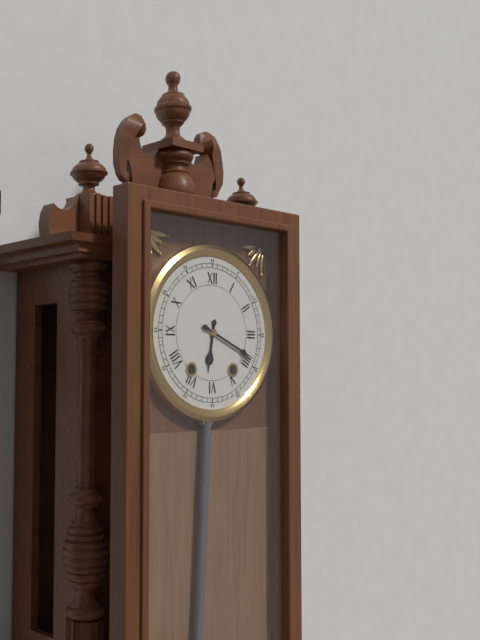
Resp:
**6:19**
